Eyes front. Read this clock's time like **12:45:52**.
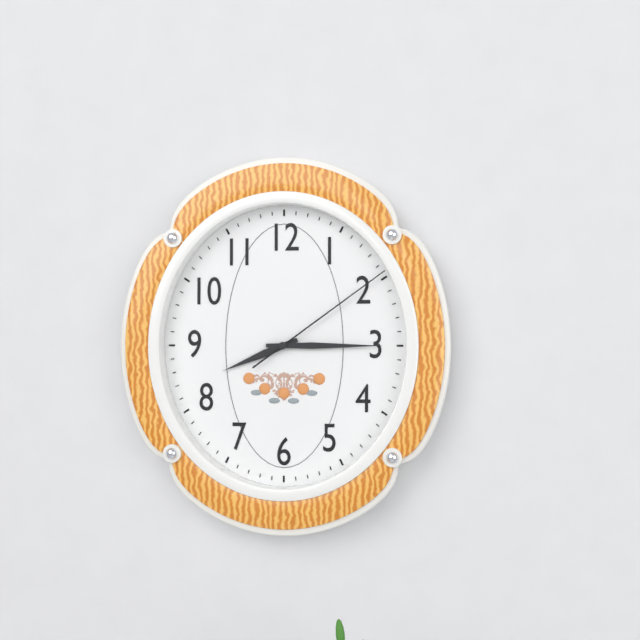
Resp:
**8:15:09**
